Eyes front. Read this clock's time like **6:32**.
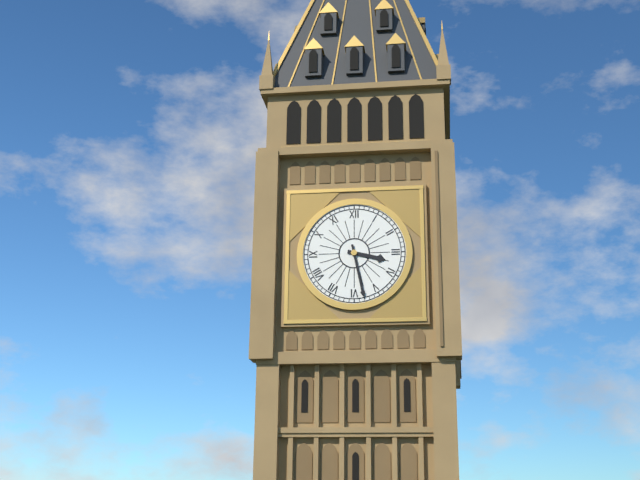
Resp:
**3:28**
